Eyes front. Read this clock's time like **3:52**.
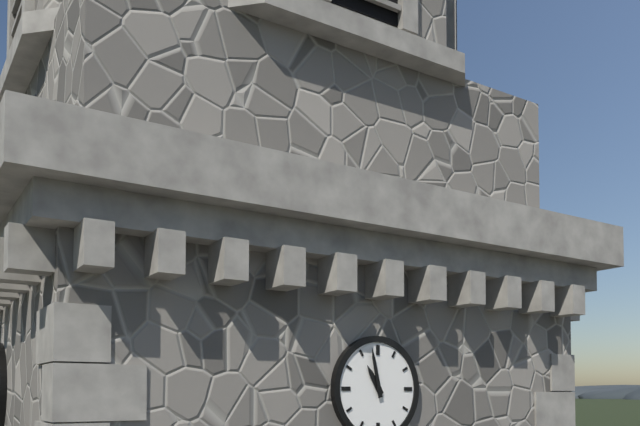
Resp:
**10:58**
